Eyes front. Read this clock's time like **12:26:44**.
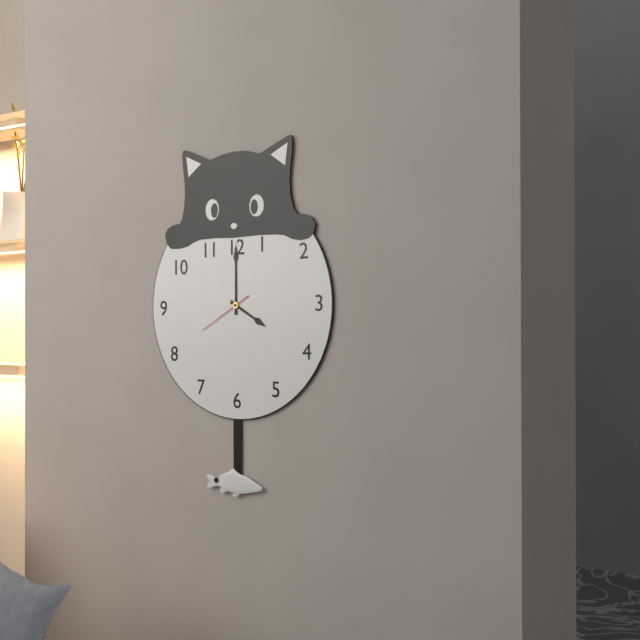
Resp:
**4:00:40**
